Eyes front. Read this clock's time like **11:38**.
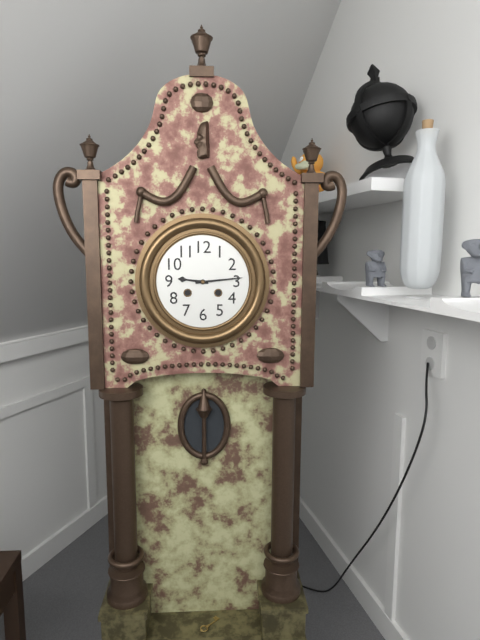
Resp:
**9:14**
